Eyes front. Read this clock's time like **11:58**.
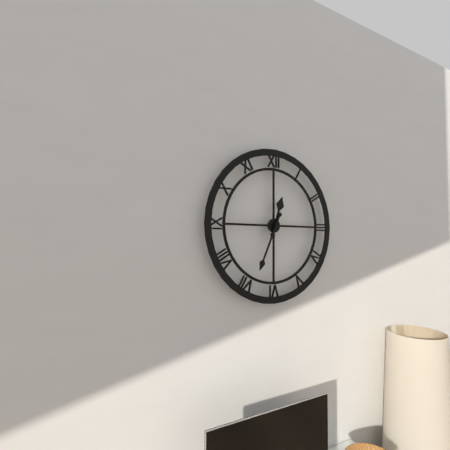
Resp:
**12:34**
